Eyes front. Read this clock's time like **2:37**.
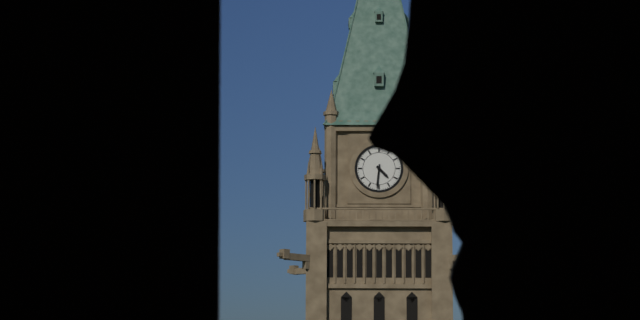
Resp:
**4:31**
